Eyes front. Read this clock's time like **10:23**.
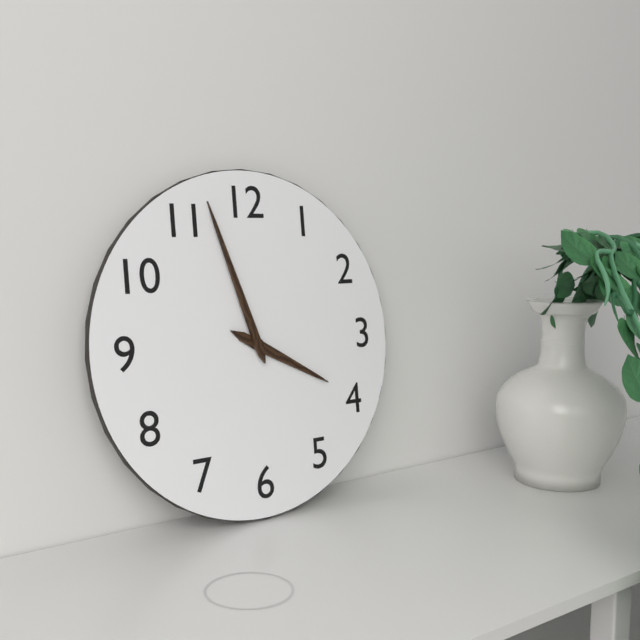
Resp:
**3:57**
